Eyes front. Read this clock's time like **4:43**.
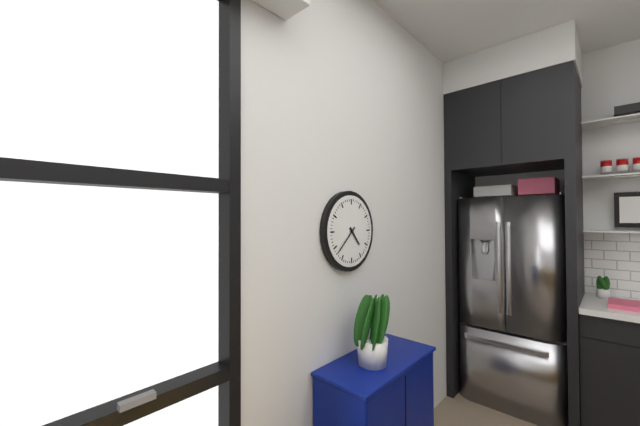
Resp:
**4:38**
